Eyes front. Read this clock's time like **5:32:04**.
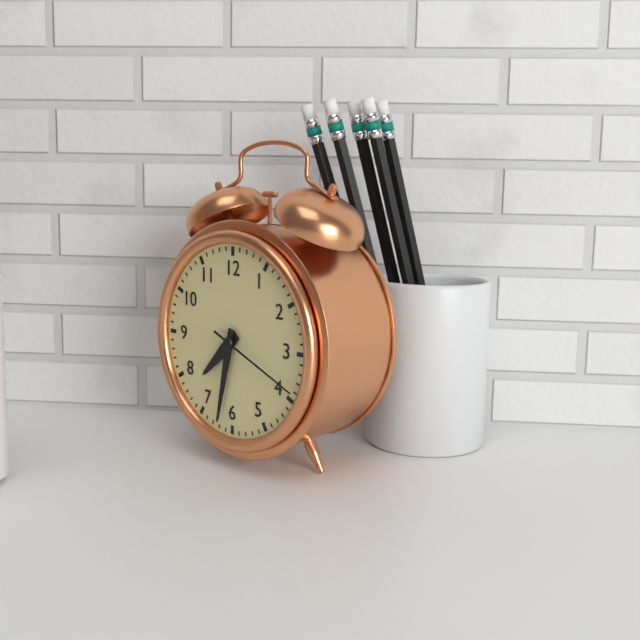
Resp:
**7:32:19**
